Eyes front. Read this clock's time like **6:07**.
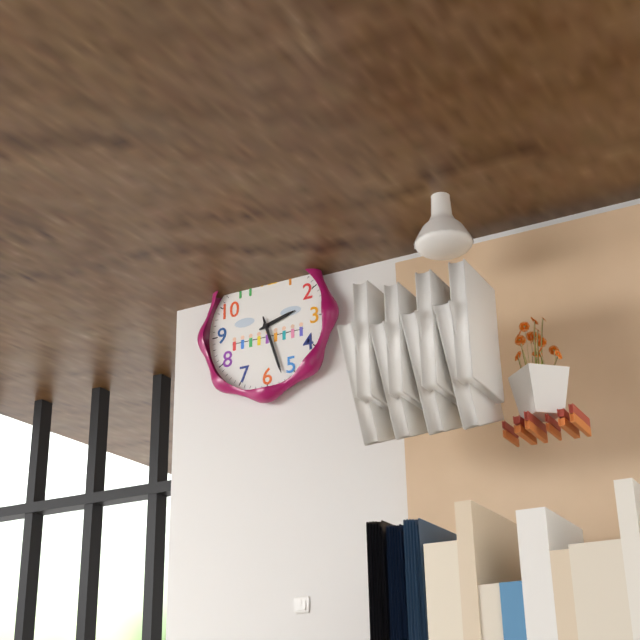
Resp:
**2:27**
